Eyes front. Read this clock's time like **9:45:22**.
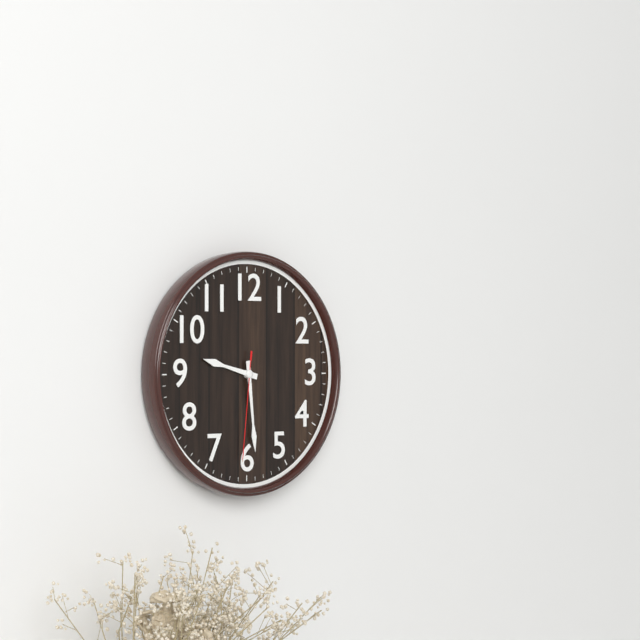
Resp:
**9:29:31**
